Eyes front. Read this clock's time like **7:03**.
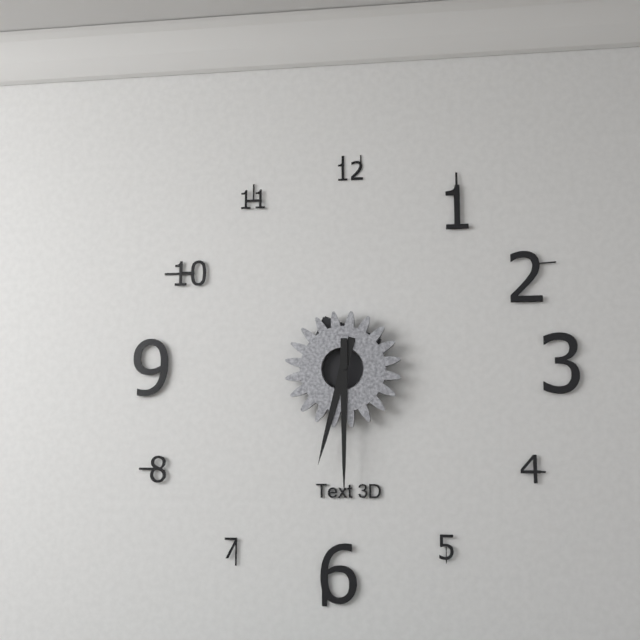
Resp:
**6:30**
